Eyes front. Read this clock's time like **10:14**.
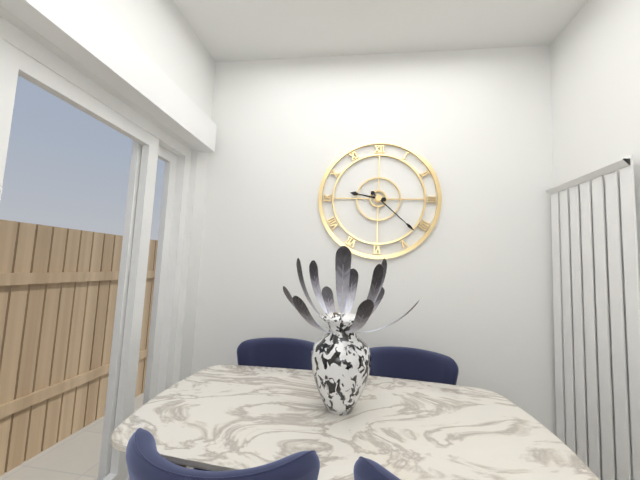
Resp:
**9:22**
